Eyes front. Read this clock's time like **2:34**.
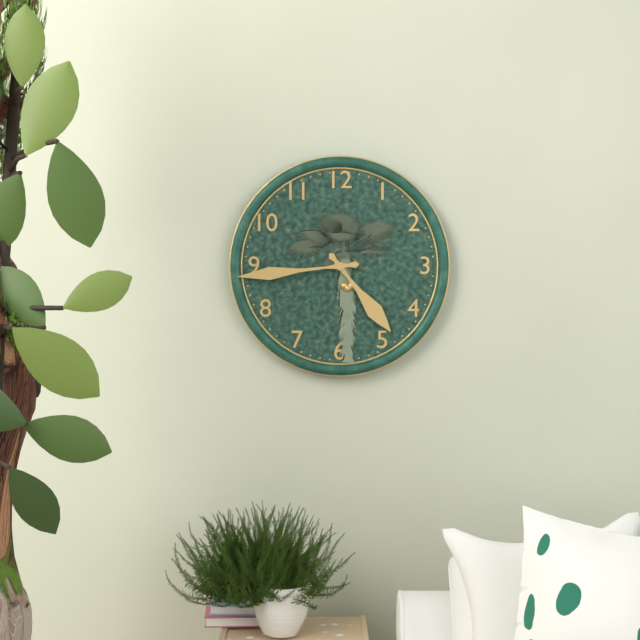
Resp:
**4:44**
